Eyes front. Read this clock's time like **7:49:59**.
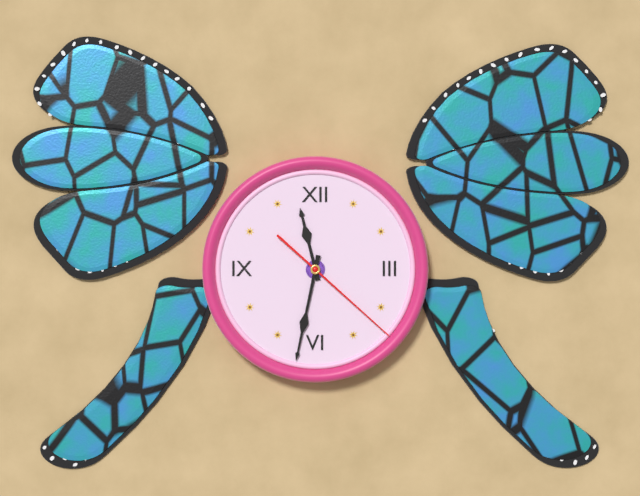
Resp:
**11:32:22**
